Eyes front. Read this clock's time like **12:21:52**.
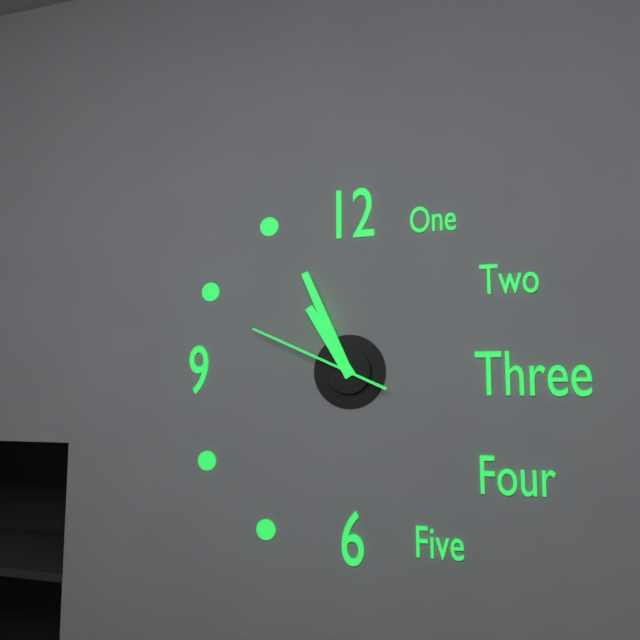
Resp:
**10:56:49**
